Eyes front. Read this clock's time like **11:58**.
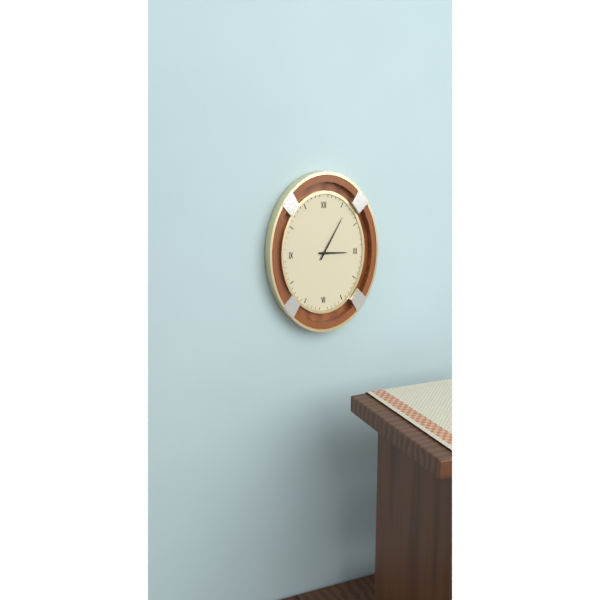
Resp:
**3:05**
